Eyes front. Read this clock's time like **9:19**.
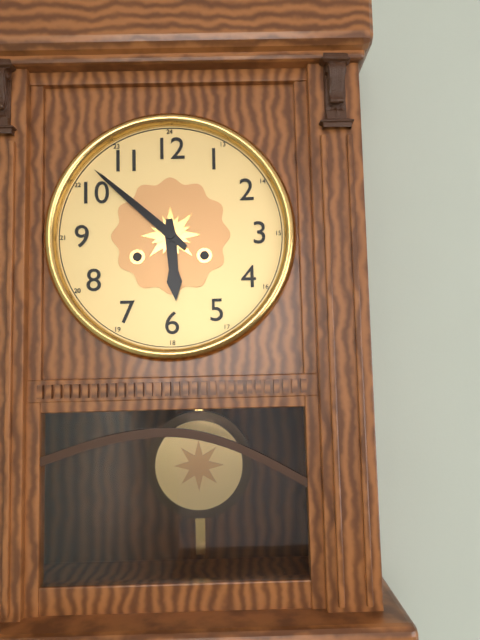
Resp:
**5:52**
